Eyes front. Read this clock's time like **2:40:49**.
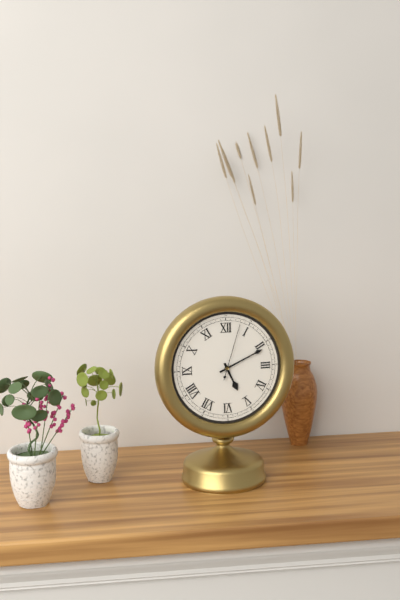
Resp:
**5:11:03**
